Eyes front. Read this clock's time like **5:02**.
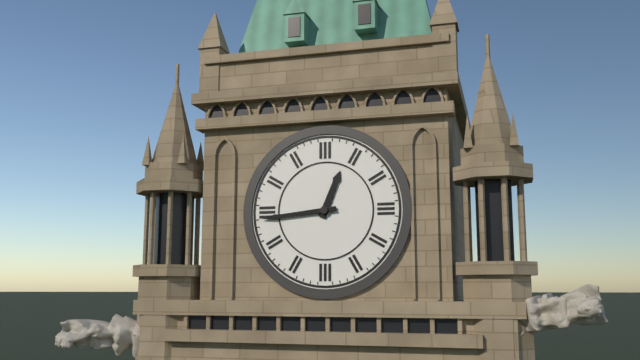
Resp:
**12:44**
